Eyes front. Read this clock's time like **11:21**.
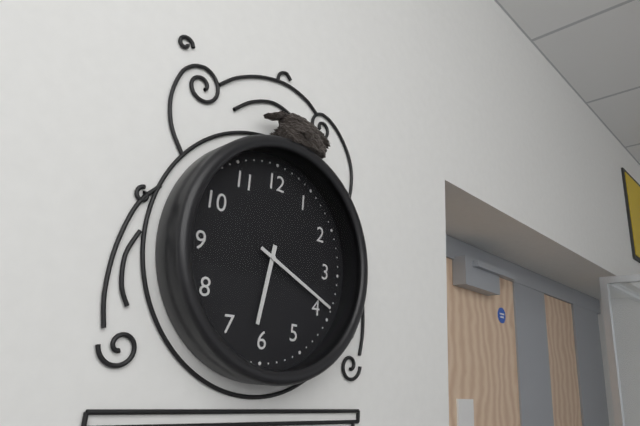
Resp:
**6:19**
